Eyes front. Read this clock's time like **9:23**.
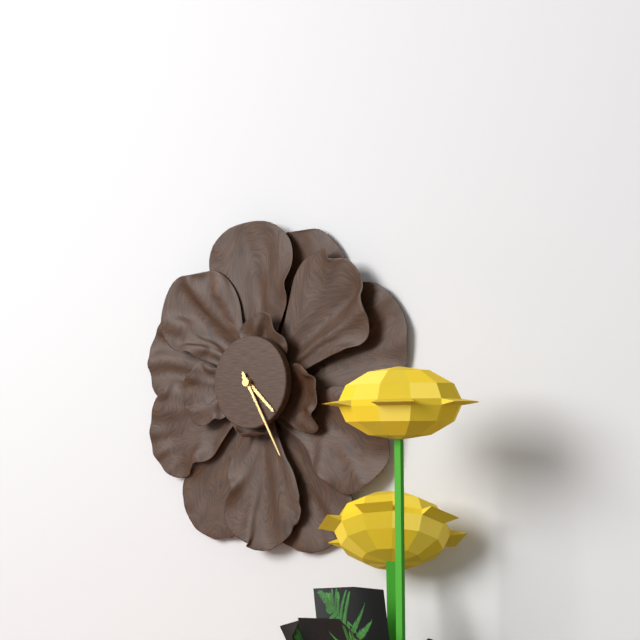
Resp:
**4:25**
